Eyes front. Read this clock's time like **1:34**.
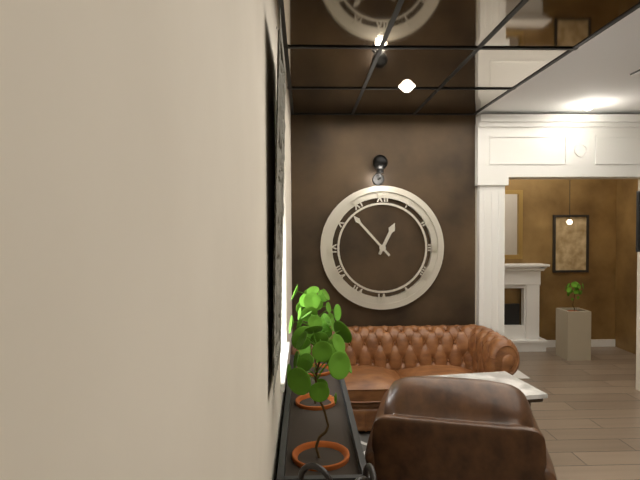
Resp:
**12:53**
